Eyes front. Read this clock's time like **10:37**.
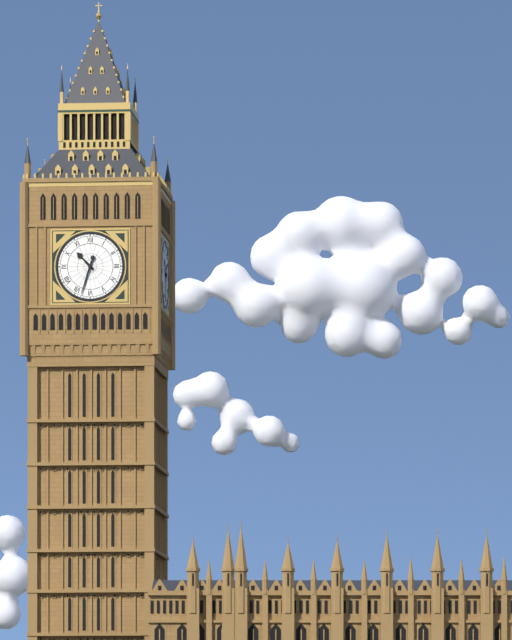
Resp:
**10:33**
